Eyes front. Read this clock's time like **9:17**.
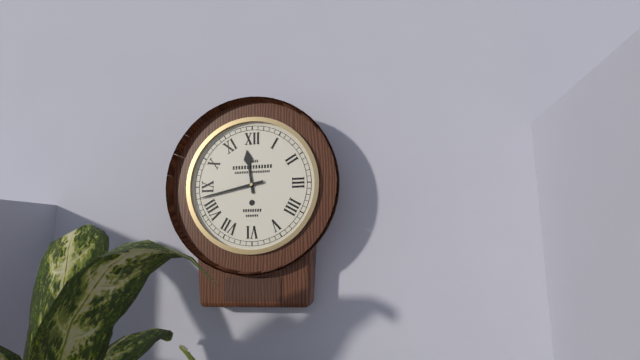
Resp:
**11:43**
